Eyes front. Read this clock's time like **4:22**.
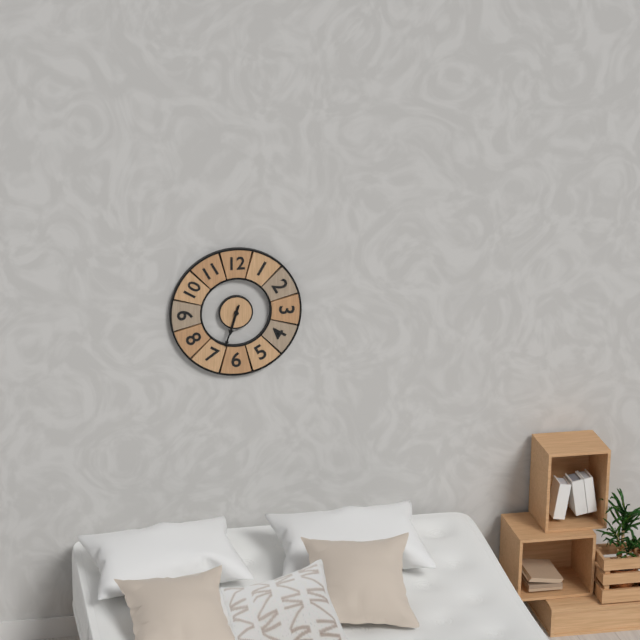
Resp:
**6:33**
